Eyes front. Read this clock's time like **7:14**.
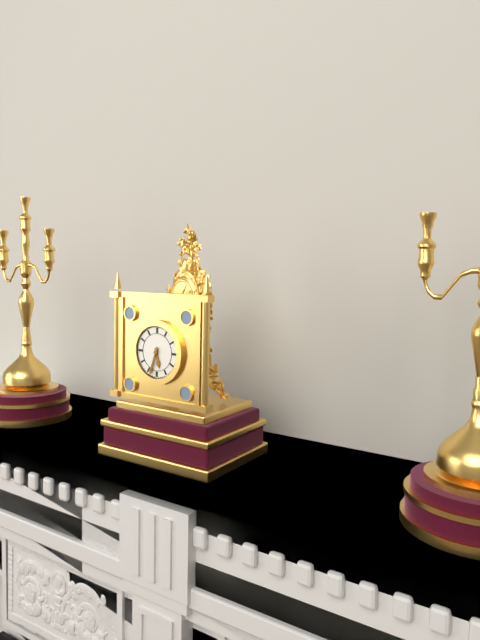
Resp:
**5:33**
